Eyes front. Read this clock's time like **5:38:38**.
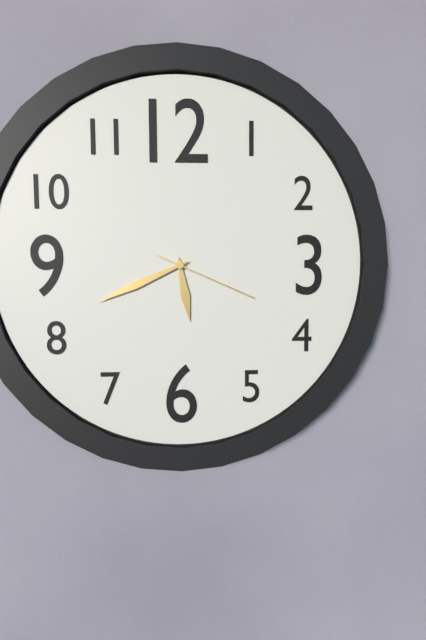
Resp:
**5:41:19**
